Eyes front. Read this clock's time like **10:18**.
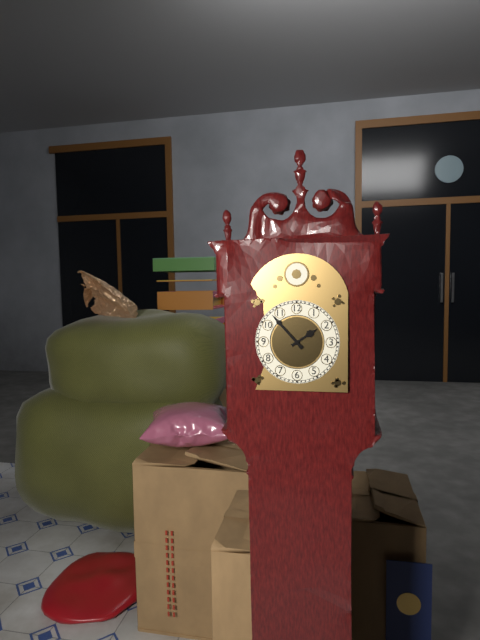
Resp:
**1:53**
